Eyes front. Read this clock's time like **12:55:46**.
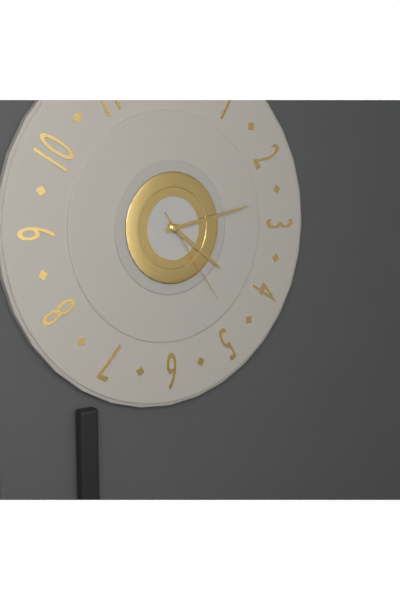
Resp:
**4:13:24**
